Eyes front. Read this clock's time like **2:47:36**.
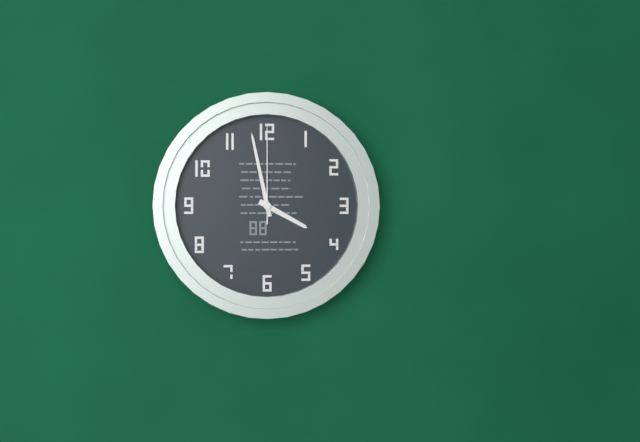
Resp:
**3:58:00**
